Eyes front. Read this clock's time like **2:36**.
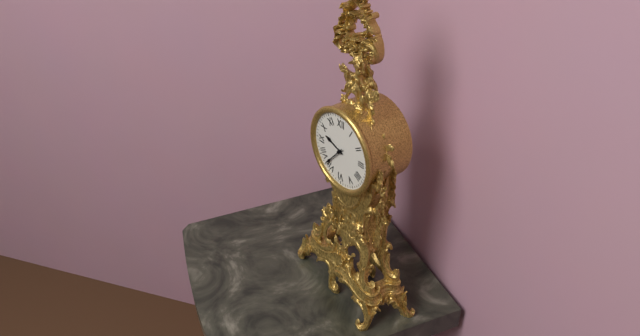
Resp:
**9:37**
